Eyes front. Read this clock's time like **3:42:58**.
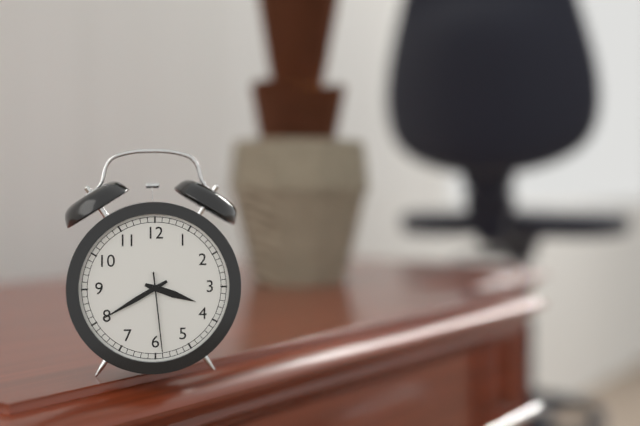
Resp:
**3:40:29**
